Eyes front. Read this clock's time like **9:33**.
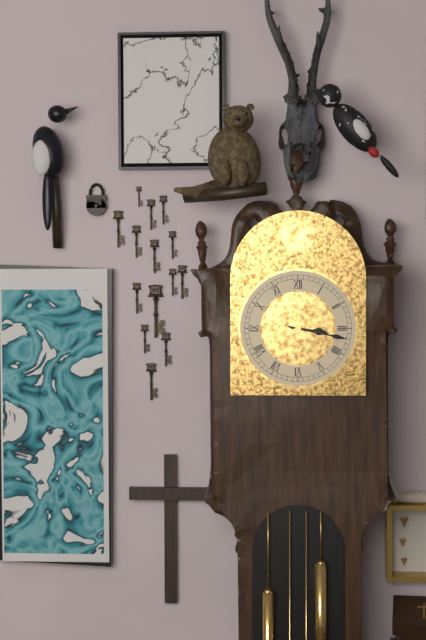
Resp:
**3:17**
